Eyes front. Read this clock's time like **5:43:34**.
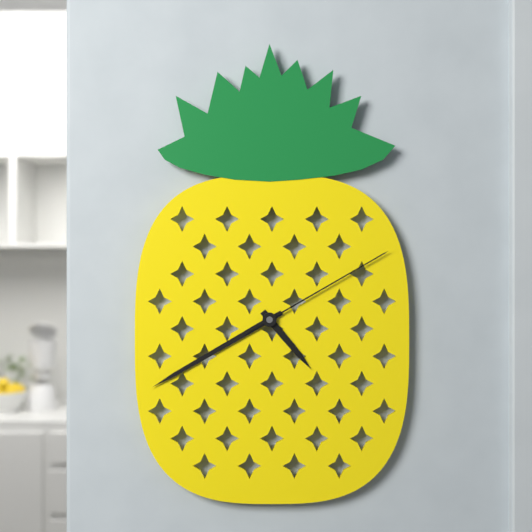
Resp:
**4:40:10**
